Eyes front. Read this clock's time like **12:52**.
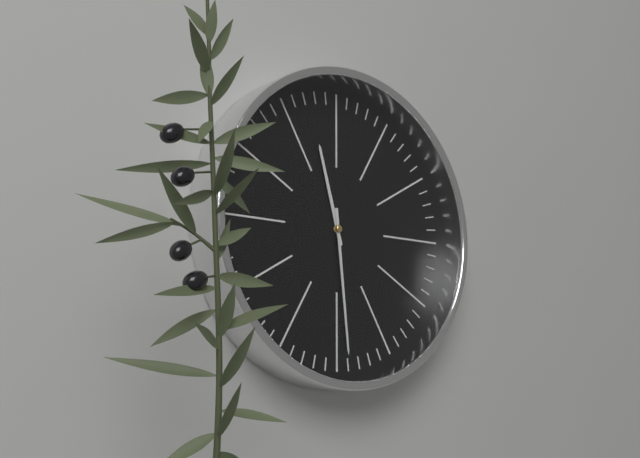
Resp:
**11:29**
